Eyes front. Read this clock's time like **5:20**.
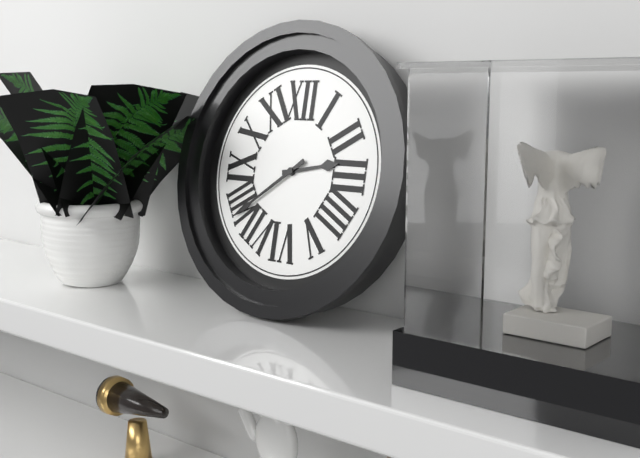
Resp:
**2:39**
